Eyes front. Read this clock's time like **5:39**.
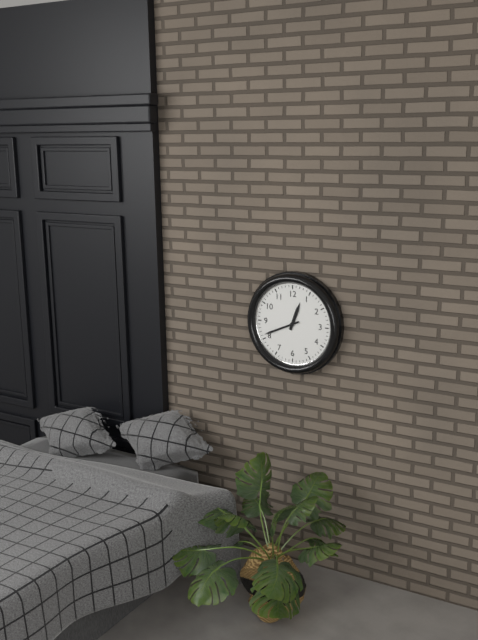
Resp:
**12:41**
